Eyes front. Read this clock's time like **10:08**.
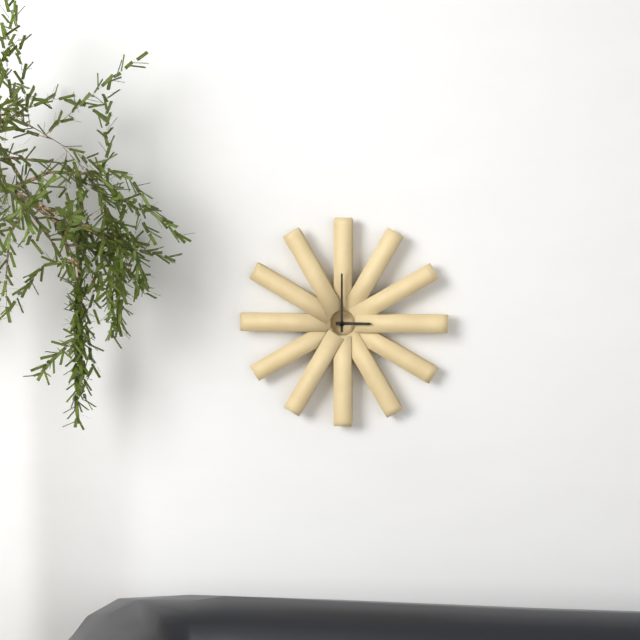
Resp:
**3:00**
